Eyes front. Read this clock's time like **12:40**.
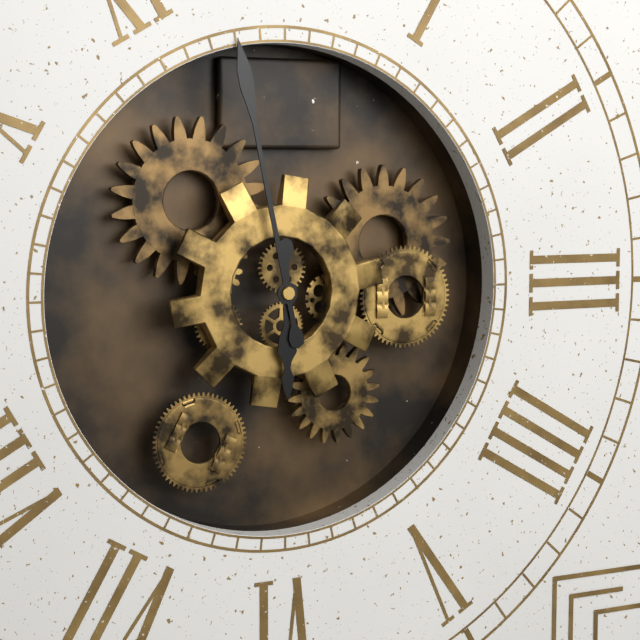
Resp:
**5:58**
